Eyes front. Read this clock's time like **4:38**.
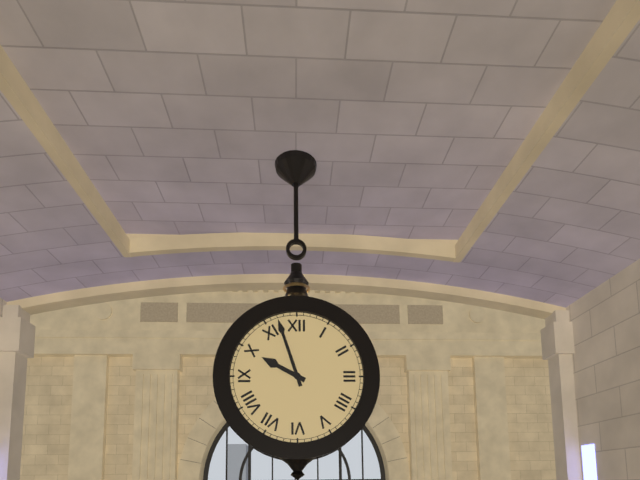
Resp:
**9:57**
